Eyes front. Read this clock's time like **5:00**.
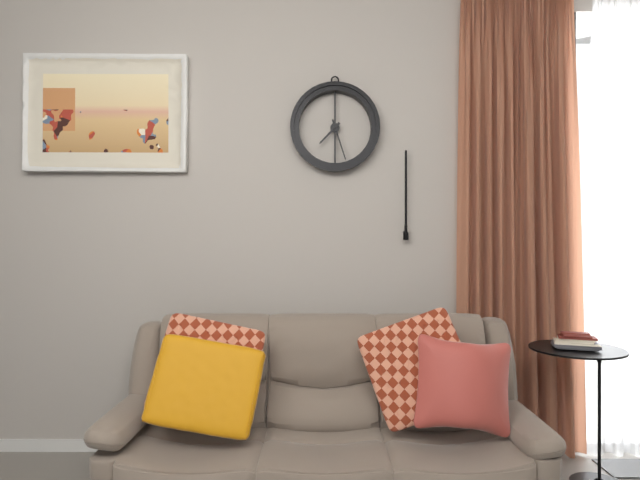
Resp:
**7:27**
